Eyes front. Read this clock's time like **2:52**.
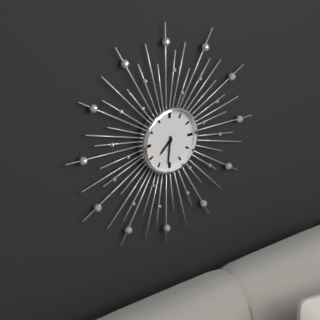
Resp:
**7:31**
